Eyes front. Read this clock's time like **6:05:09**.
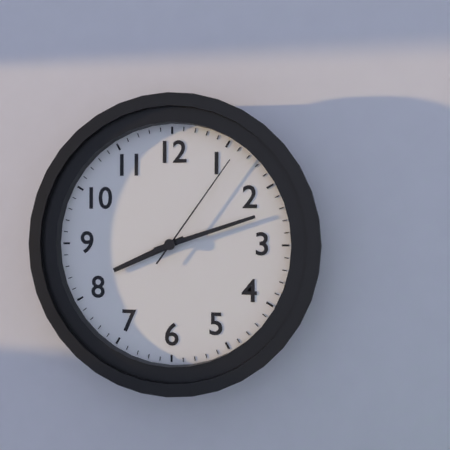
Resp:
**8:12:06**
